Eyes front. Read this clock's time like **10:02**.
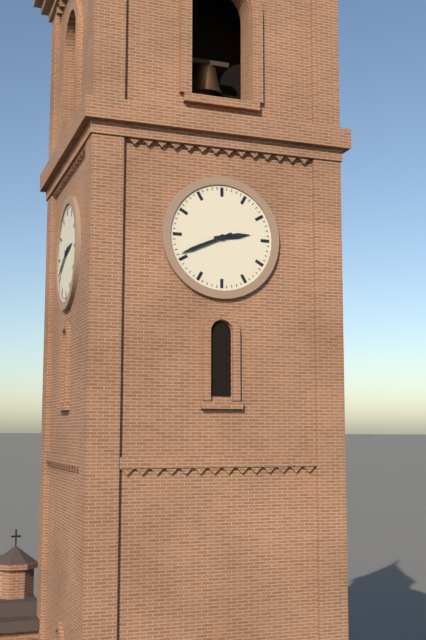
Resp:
**2:41**
